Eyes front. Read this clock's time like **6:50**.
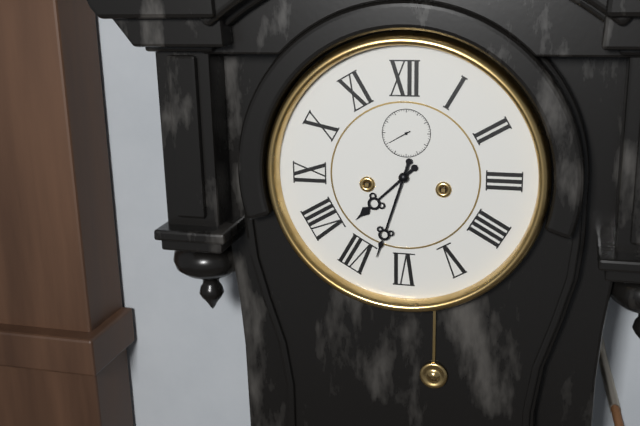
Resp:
**7:33**
